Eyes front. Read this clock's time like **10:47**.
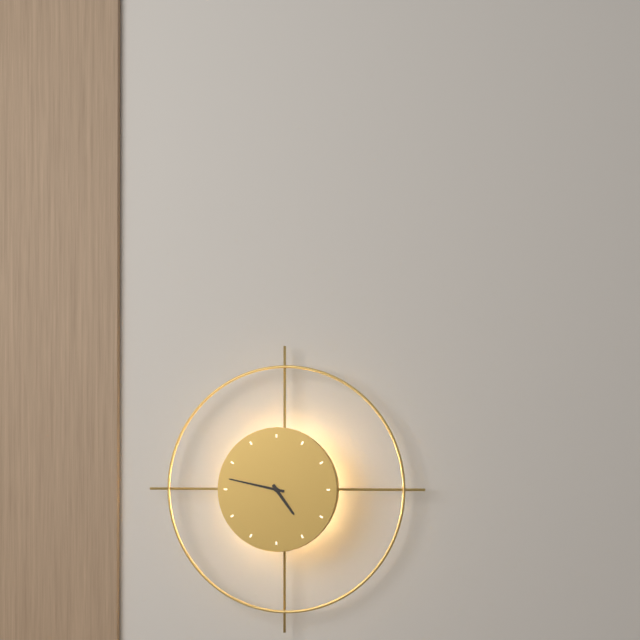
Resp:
**4:47**
